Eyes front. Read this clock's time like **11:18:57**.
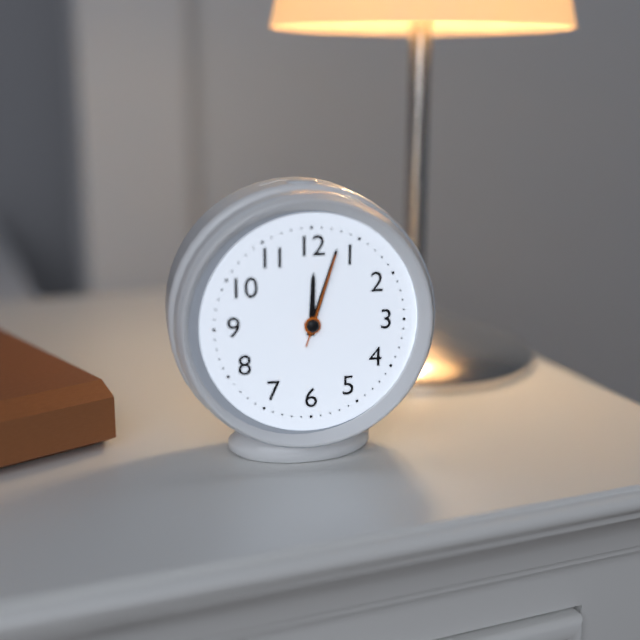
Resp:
**12:03:03**
